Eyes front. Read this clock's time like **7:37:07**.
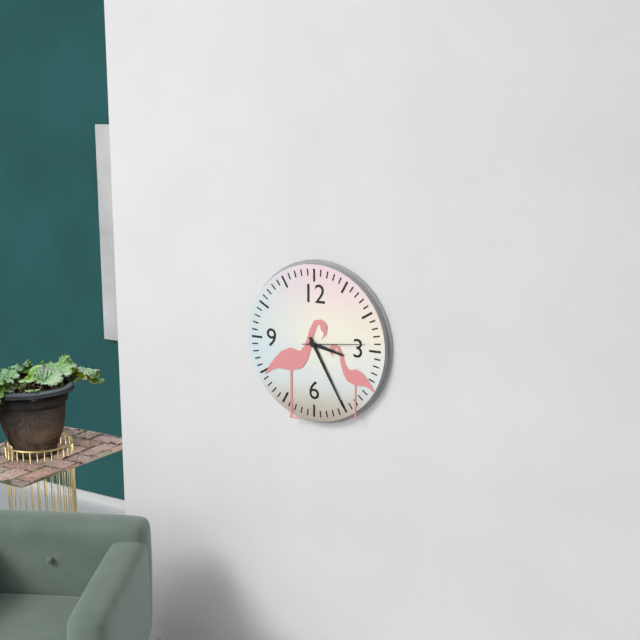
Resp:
**3:25:14**
